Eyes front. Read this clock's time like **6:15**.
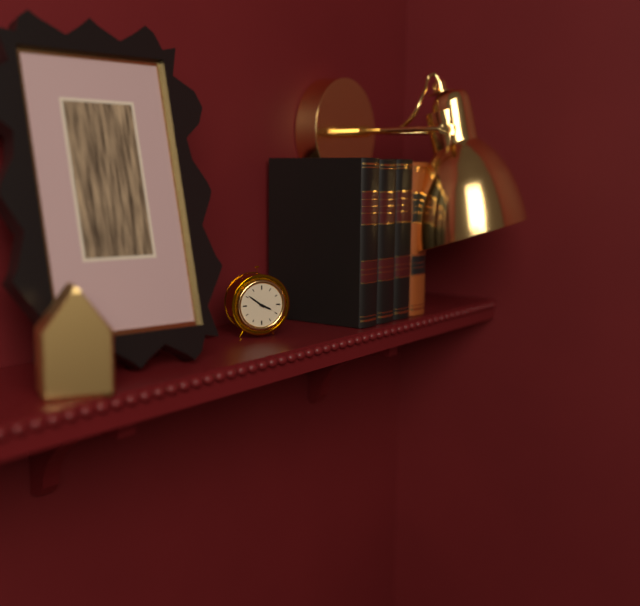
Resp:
**3:51**
